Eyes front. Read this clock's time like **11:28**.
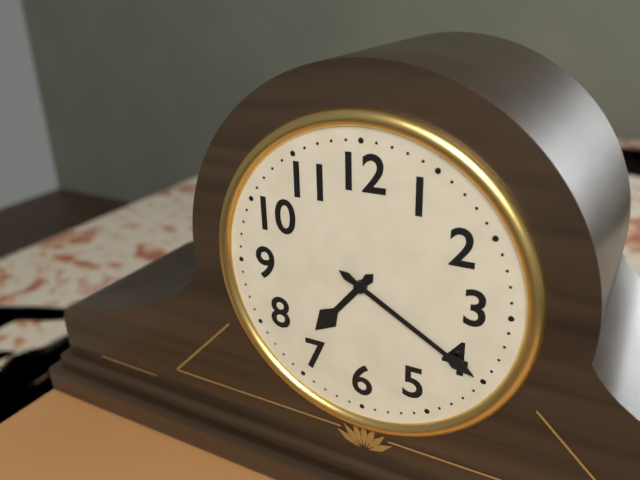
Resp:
**7:20**
